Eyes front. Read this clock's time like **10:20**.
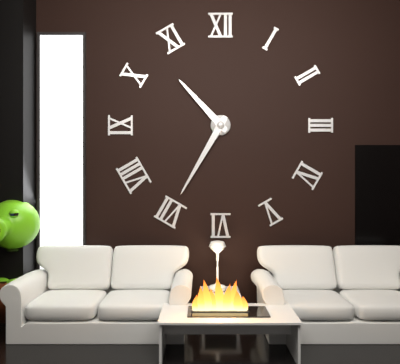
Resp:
**10:35**
